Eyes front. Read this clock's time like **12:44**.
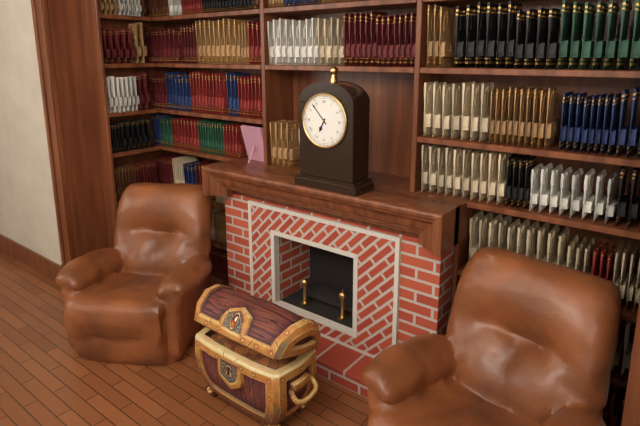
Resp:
**6:53**
